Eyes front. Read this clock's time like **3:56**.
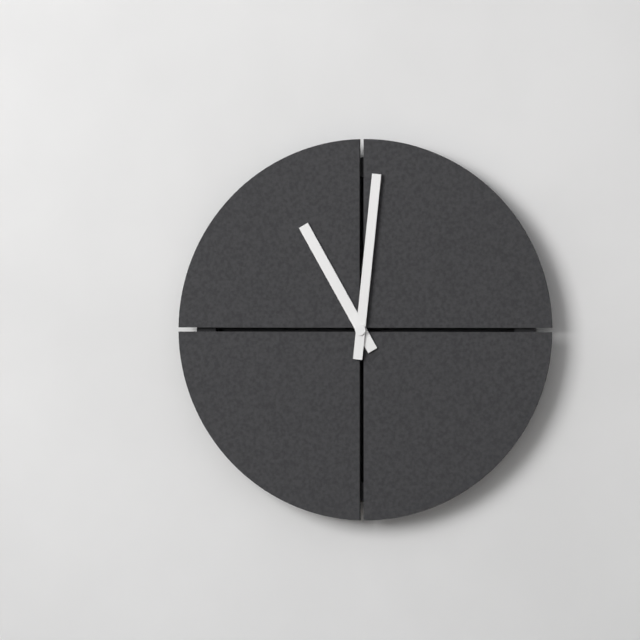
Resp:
**11:01**
